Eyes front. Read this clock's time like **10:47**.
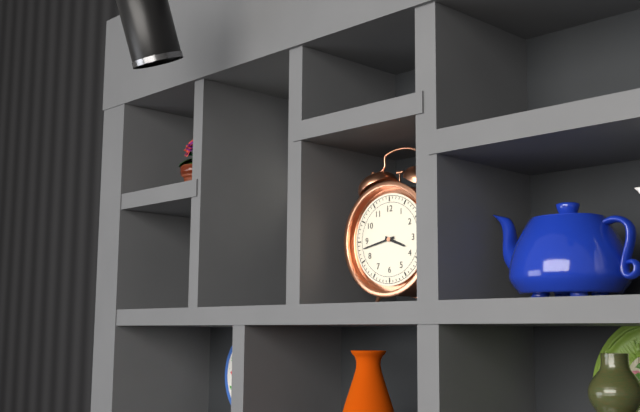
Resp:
**3:43**
